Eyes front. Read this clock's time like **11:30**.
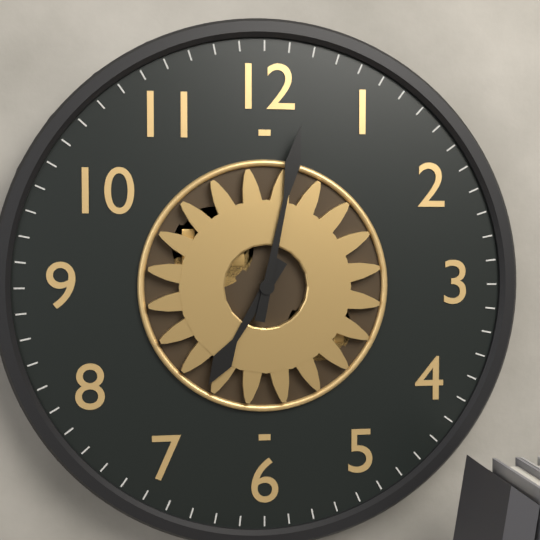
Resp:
**7:02**
